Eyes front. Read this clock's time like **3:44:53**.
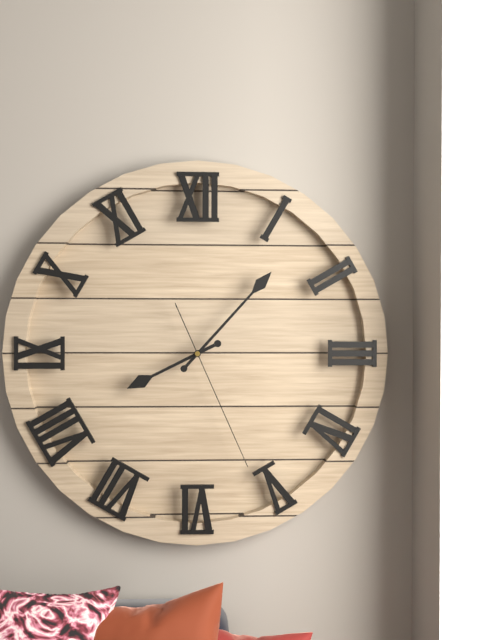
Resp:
**8:07:26**
